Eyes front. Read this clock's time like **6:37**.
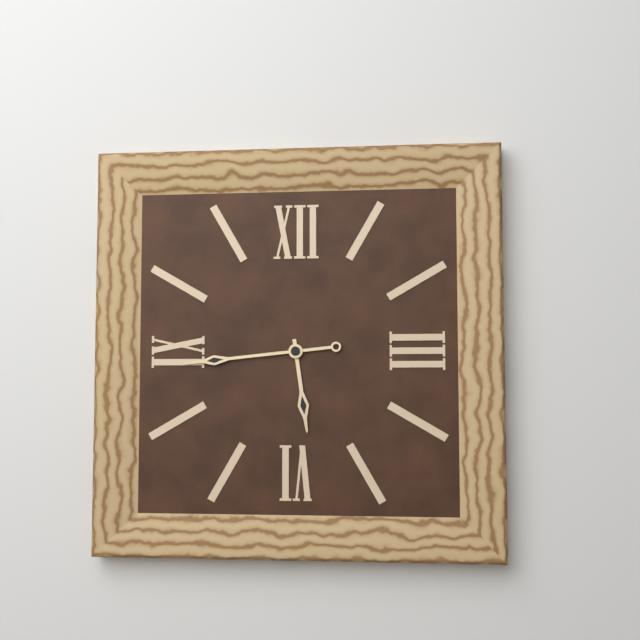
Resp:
**5:44**
